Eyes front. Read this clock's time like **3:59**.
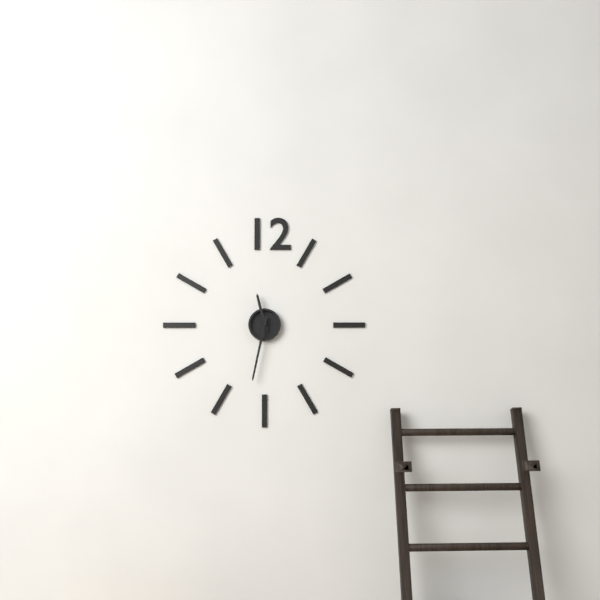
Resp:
**11:32**
